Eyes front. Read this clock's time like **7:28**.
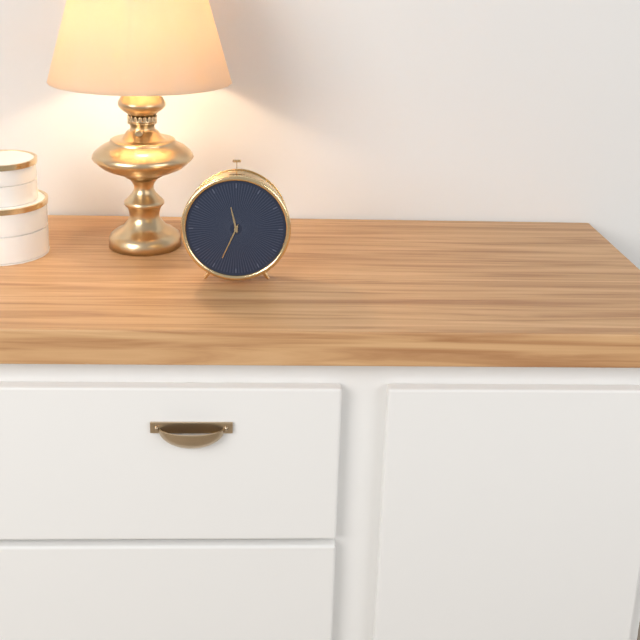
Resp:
**11:34**
